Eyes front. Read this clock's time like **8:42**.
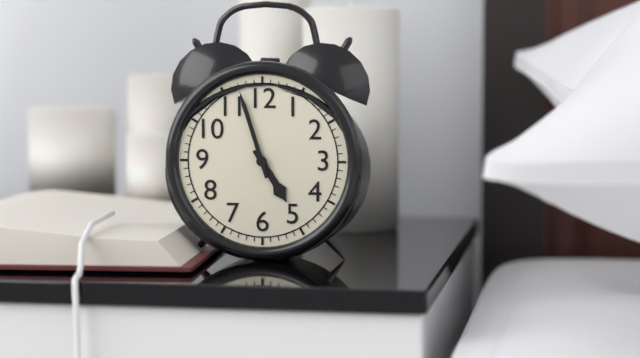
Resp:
**4:57**
